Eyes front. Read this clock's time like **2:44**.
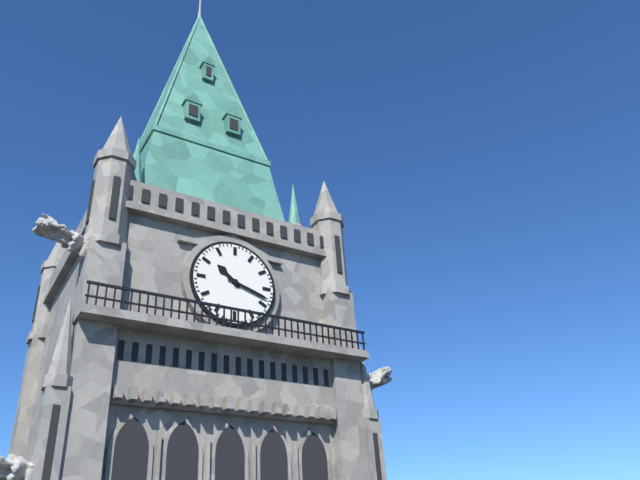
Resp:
**10:18**
